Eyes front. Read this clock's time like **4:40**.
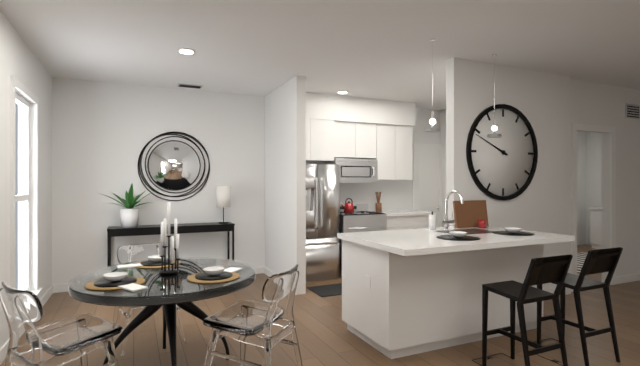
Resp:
**9:49**
